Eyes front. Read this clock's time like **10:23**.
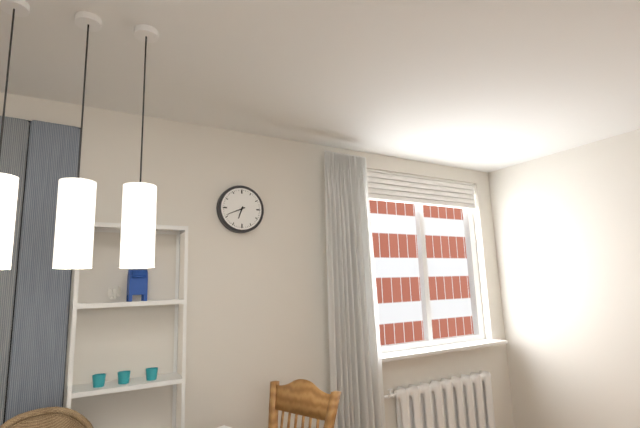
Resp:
**6:41**
